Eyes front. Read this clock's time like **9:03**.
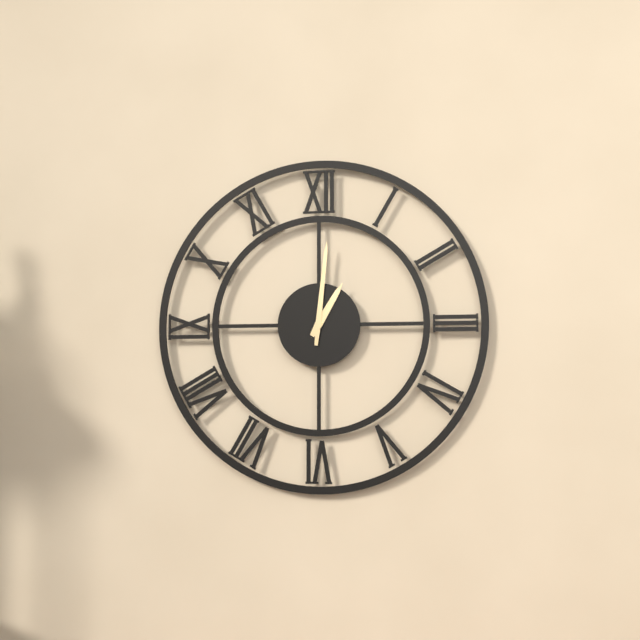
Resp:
**1:01**
